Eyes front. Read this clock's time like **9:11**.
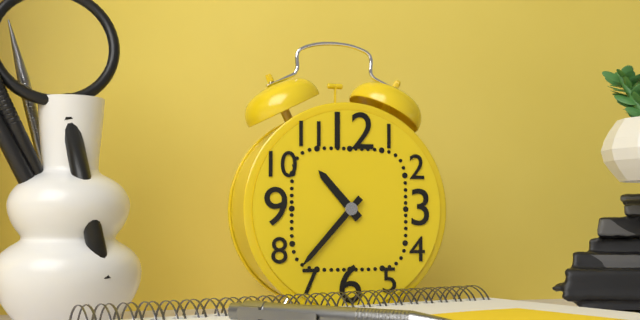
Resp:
**10:37**
